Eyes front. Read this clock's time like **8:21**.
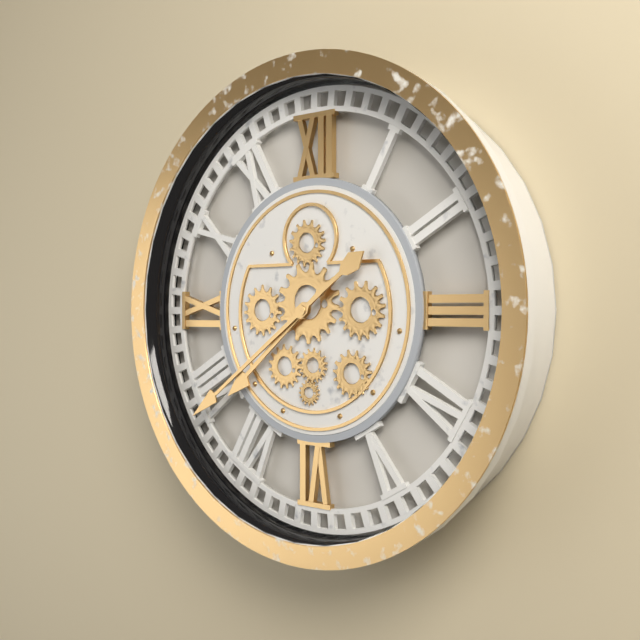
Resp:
**7:39**
